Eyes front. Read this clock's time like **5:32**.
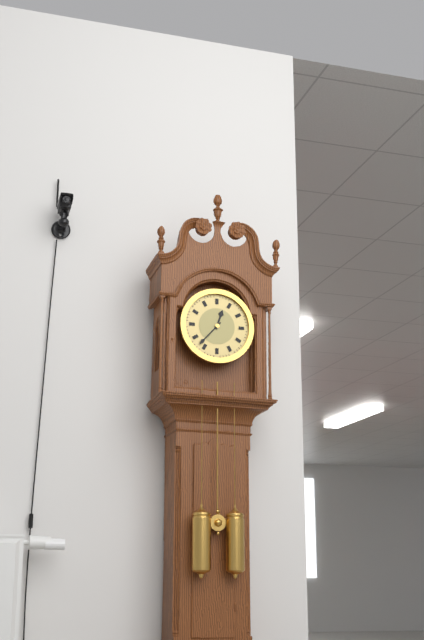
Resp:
**12:37**
